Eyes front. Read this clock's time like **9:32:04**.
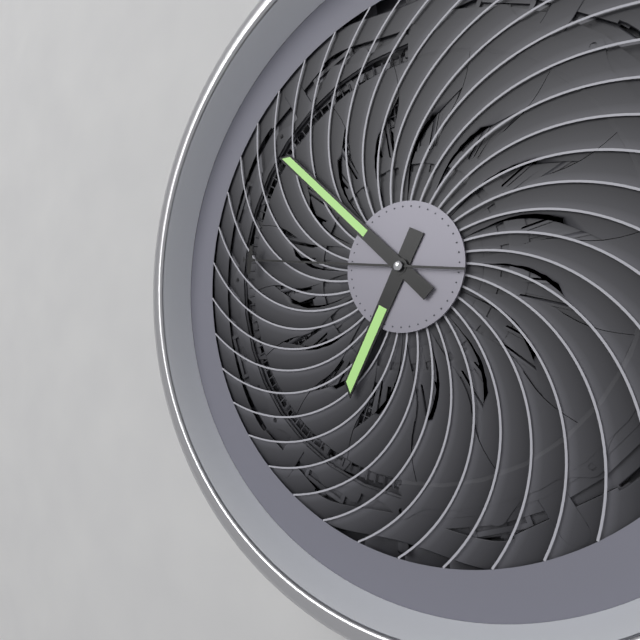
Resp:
**6:52:46**
